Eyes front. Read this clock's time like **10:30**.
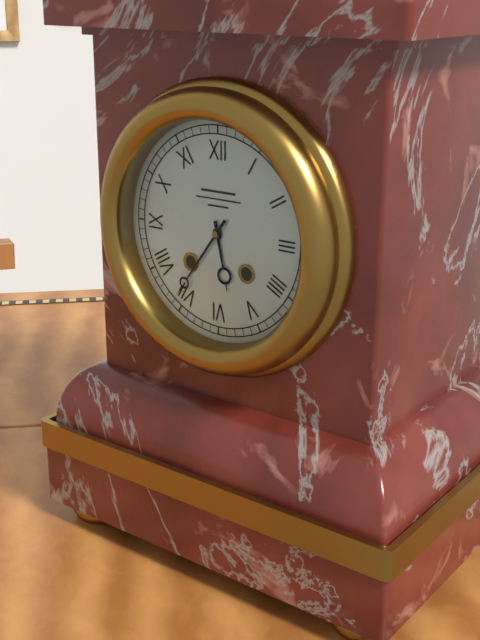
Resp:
**5:36**
